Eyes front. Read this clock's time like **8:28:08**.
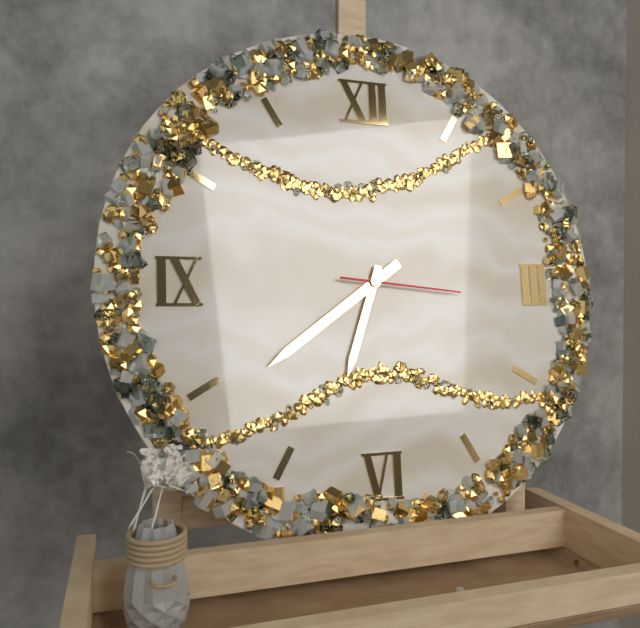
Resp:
**6:39:16**
